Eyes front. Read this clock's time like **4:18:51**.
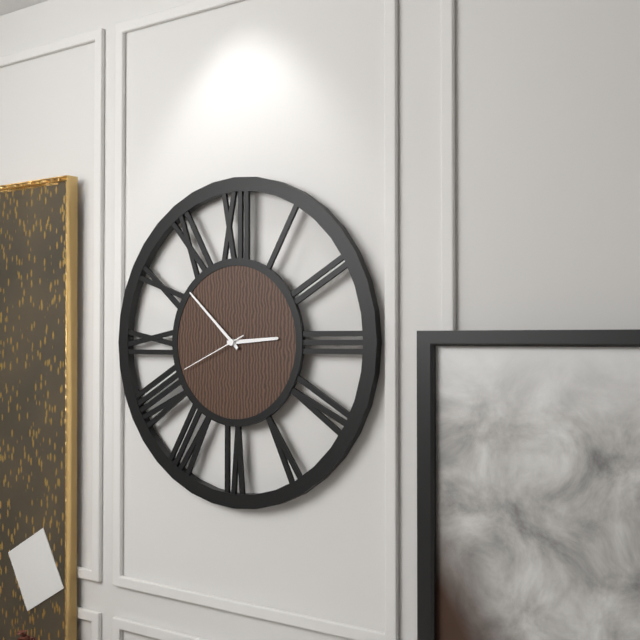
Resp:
**2:52:41**
